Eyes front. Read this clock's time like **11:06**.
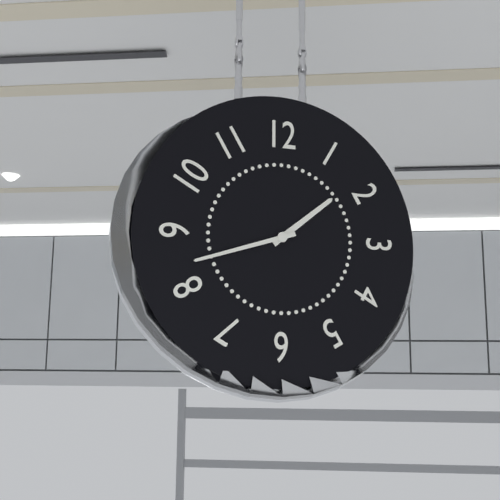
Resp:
**1:42**
